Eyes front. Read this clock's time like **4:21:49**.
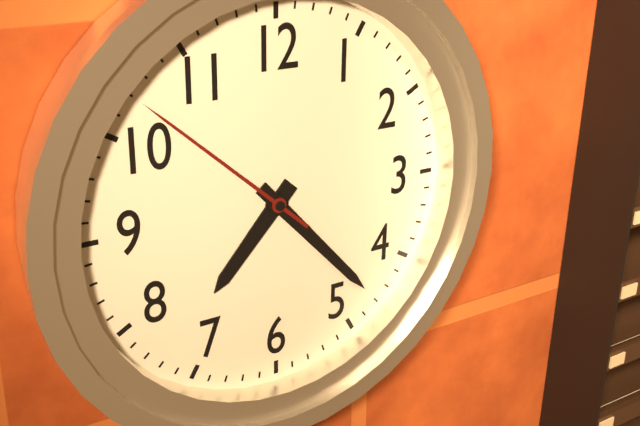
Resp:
**7:23:52**
